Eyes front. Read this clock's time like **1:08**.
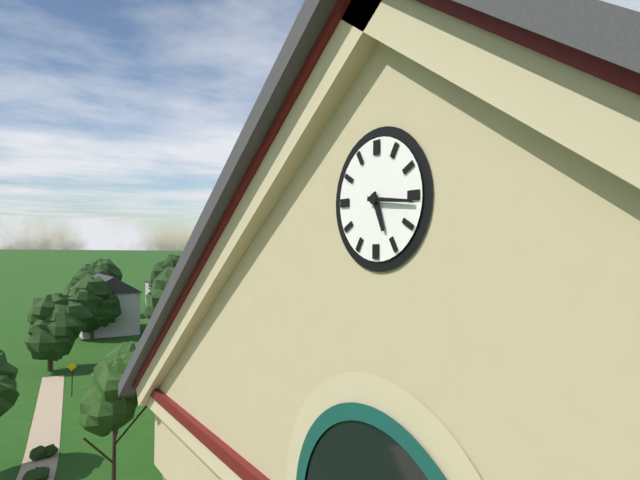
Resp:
**5:16**
